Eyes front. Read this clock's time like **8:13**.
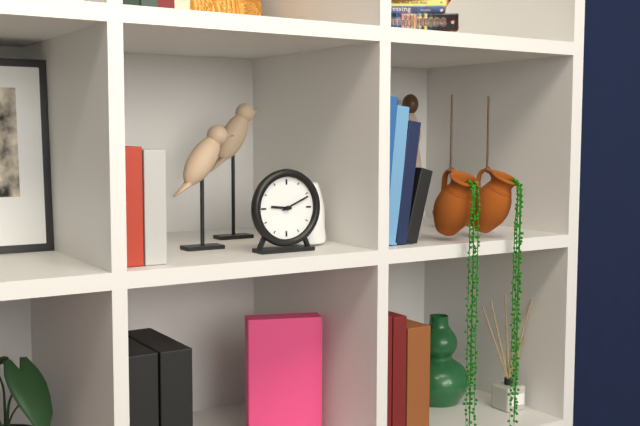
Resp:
**9:11**
